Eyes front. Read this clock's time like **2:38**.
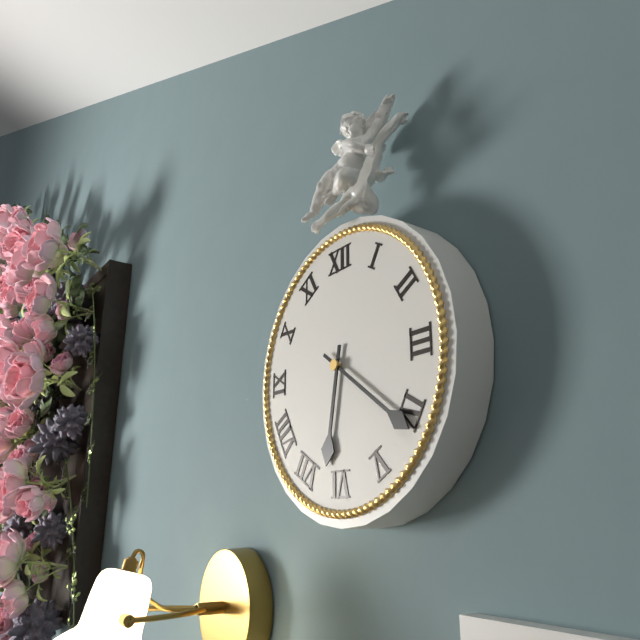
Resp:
**6:21**
